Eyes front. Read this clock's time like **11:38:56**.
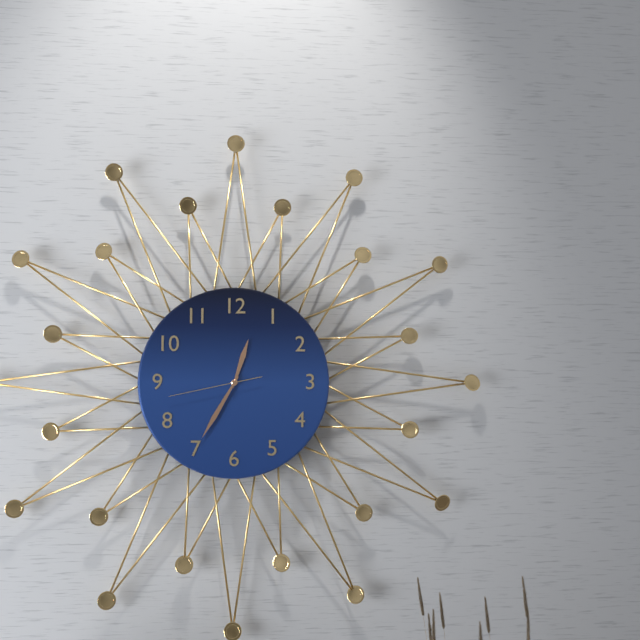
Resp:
**12:35:43**
